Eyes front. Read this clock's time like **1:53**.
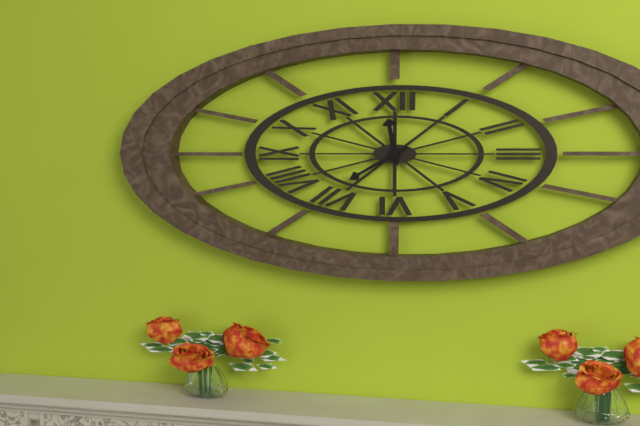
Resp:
**11:40**
